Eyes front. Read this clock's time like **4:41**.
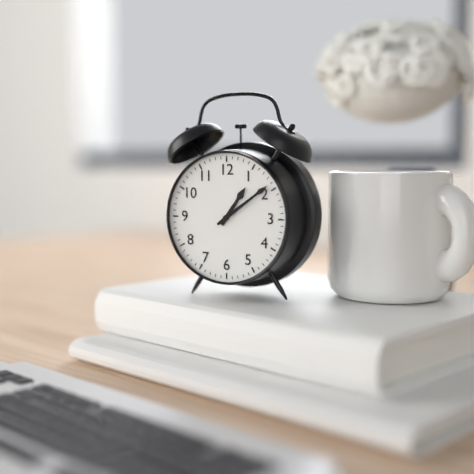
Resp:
**1:09**
